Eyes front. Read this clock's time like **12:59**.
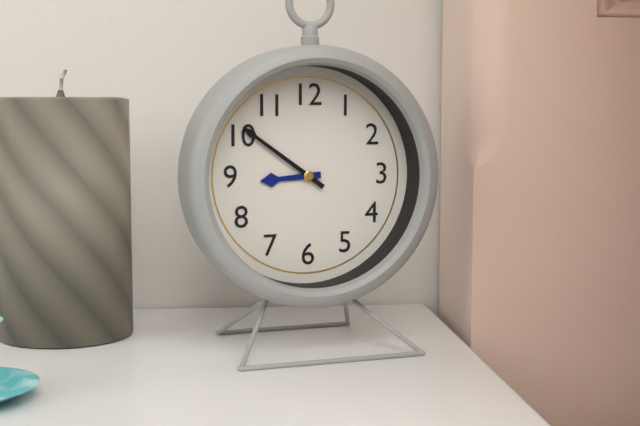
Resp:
**8:51**
